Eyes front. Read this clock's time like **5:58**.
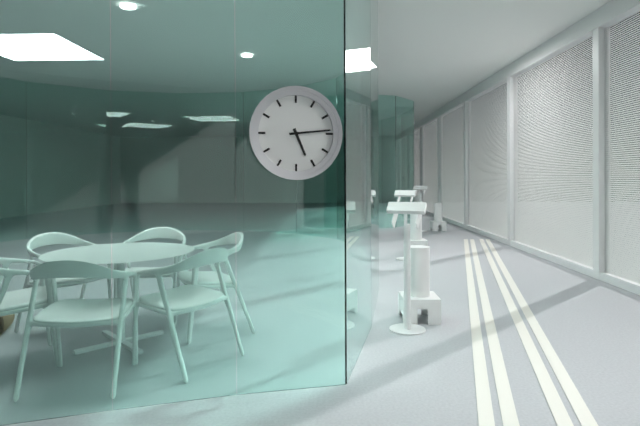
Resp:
**5:14**
